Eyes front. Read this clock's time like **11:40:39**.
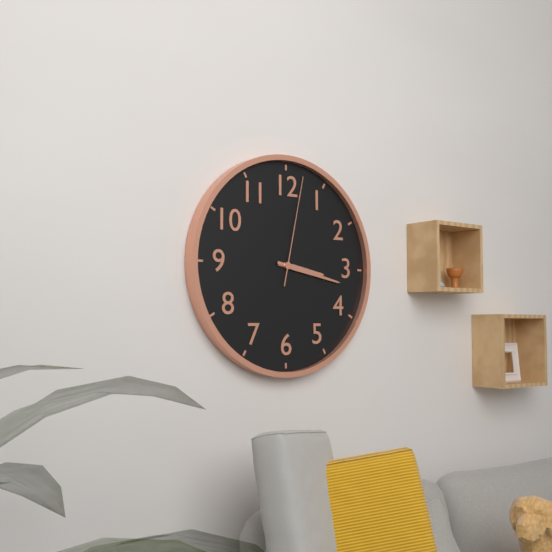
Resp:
**3:17:02**
